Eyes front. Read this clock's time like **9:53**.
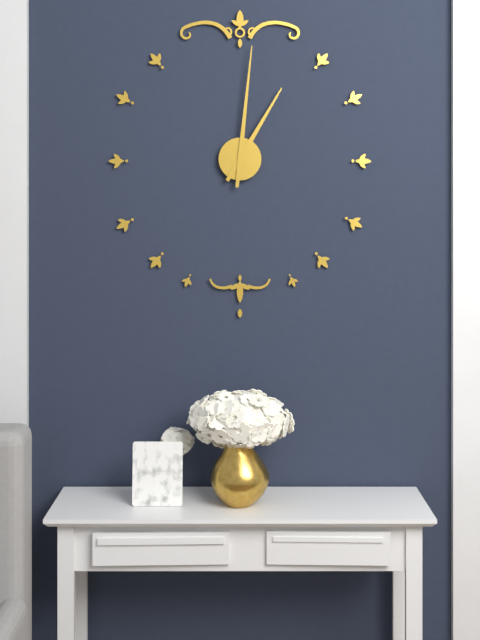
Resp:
**1:01**
